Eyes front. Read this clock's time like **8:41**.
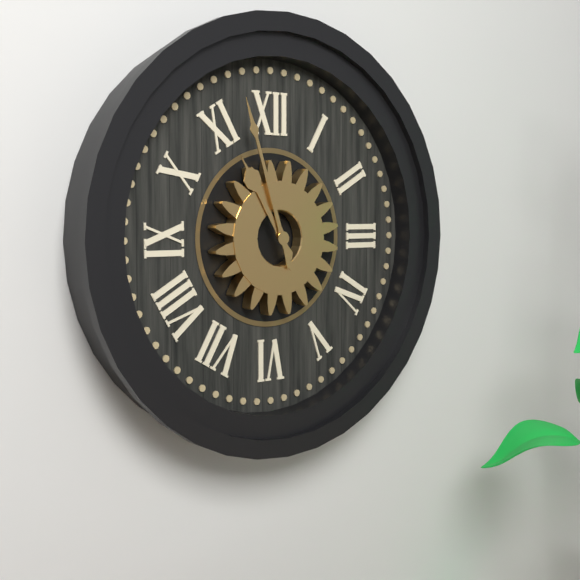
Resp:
**10:57**
